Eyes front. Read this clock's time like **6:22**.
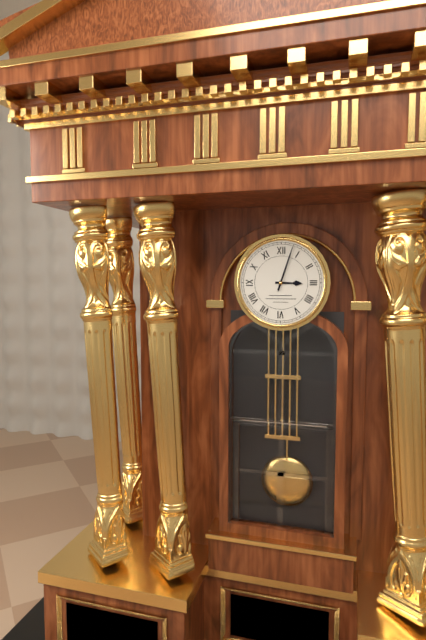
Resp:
**3:03**
